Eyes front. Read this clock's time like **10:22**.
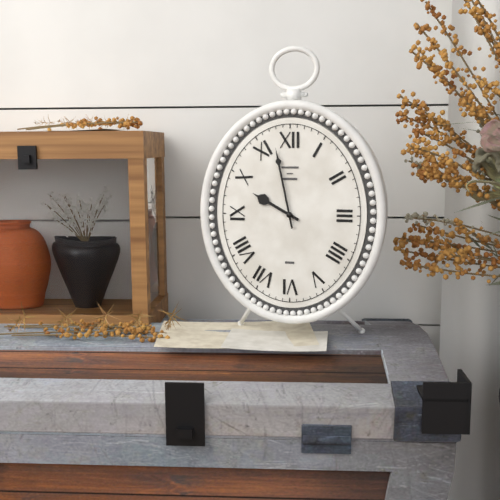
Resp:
**9:58**
